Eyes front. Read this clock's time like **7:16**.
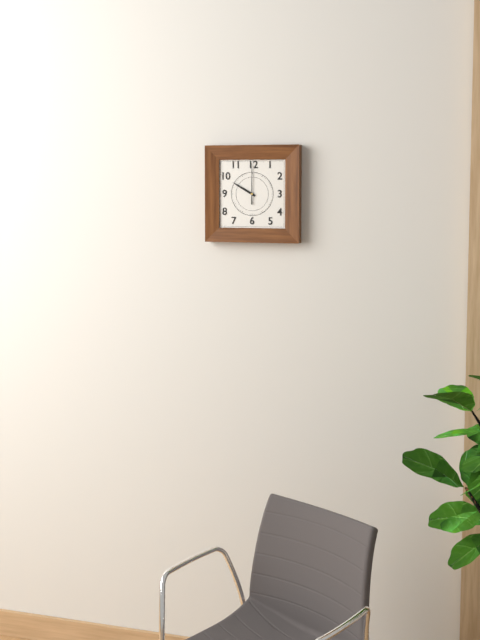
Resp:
**10:00**
